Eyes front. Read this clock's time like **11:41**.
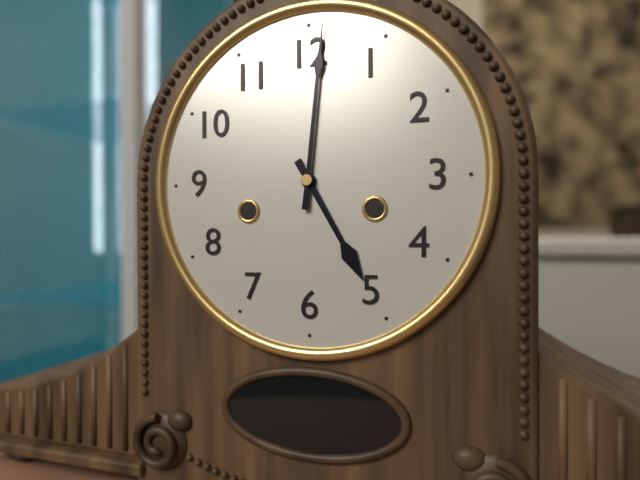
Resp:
**5:01**
